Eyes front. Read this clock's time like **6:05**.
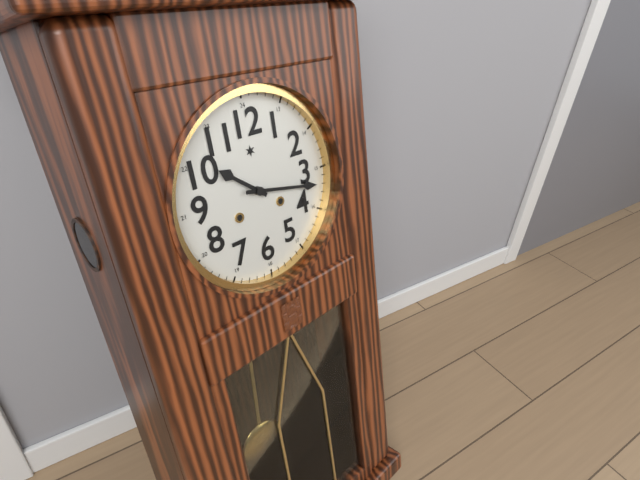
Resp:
**10:17**
